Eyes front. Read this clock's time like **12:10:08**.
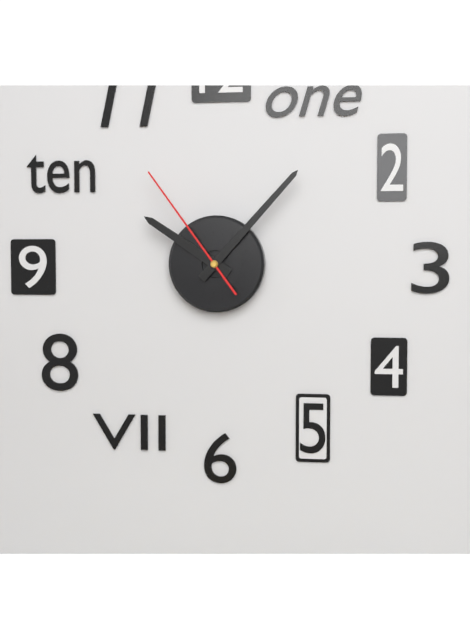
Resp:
**10:07:54**
